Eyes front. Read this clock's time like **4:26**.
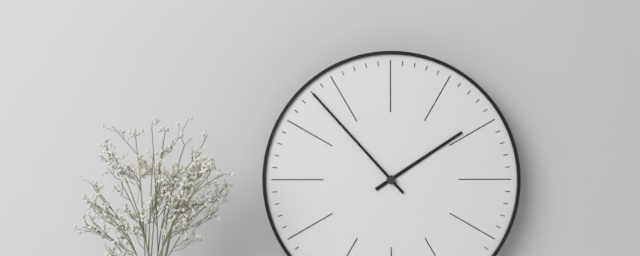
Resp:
**1:53**
